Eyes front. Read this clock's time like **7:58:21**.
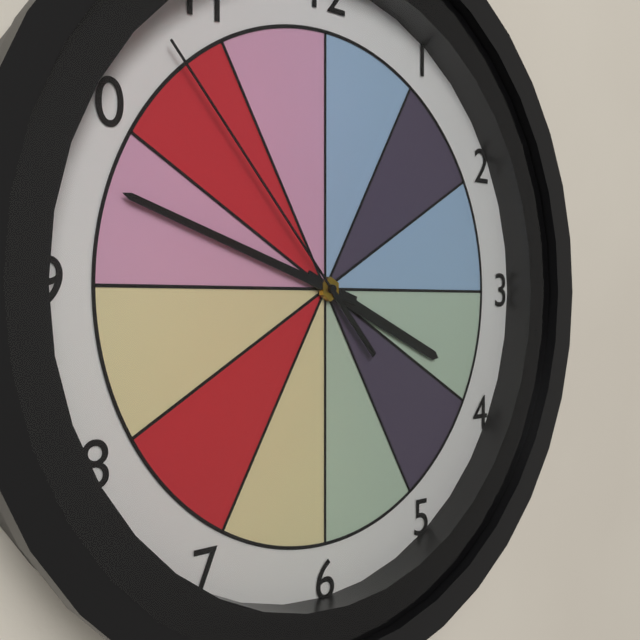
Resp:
**3:48:53**
